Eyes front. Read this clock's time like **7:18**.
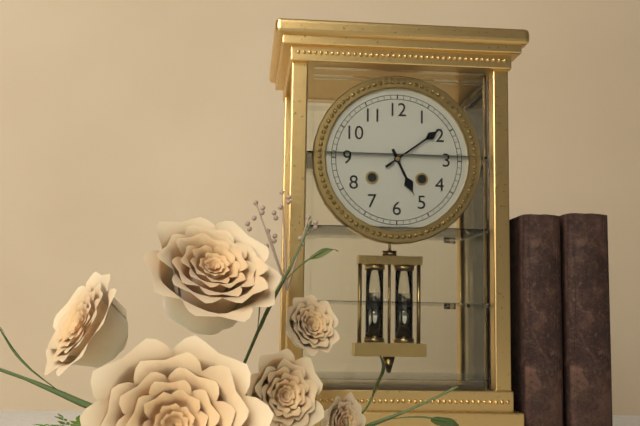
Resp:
**5:09**
